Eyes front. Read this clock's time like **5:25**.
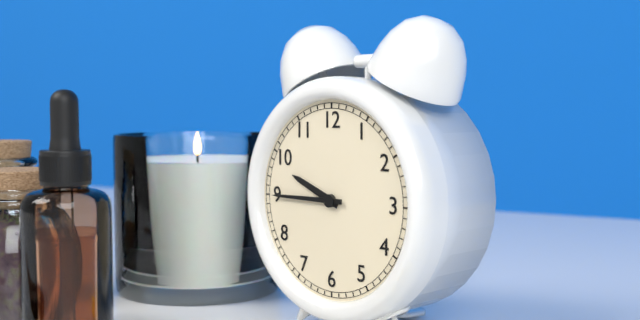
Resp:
**9:45**
